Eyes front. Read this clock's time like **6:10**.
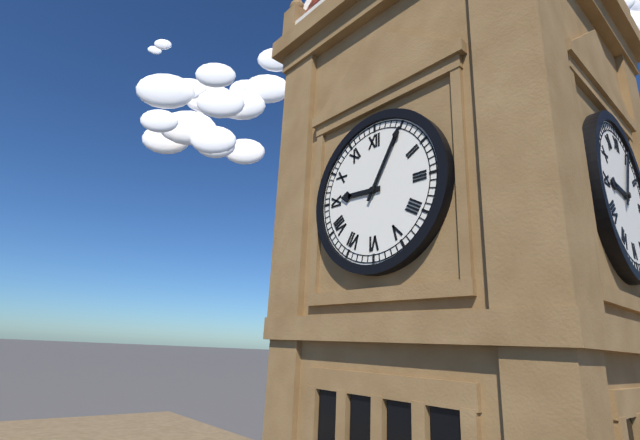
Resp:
**9:05**
